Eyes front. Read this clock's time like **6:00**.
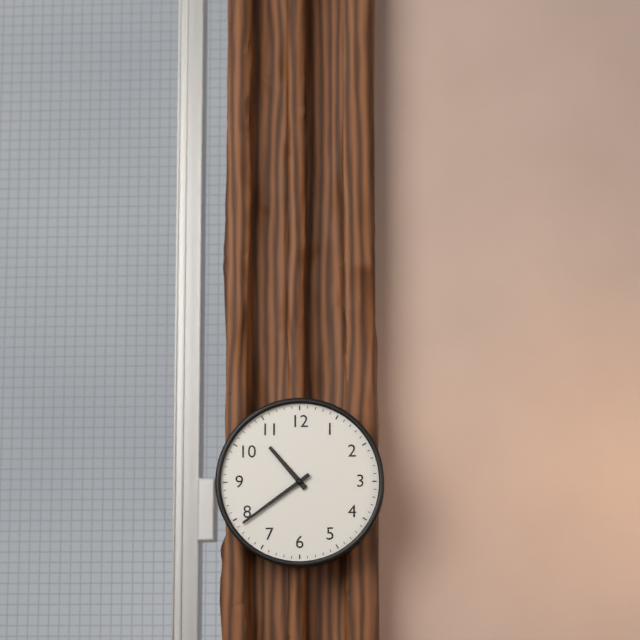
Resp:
**10:39**
